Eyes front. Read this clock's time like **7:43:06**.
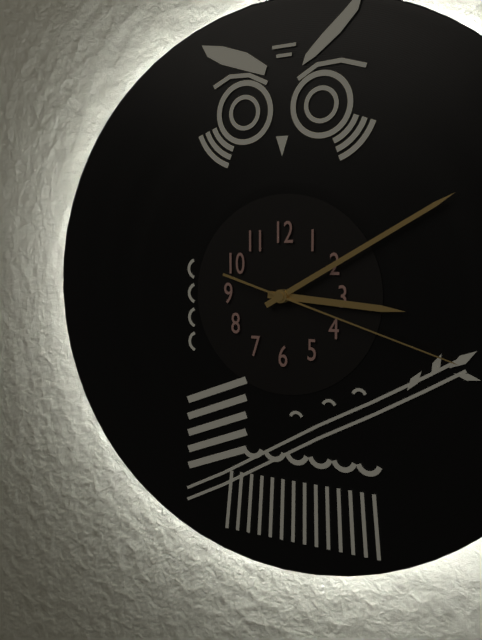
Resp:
**3:10:18**
